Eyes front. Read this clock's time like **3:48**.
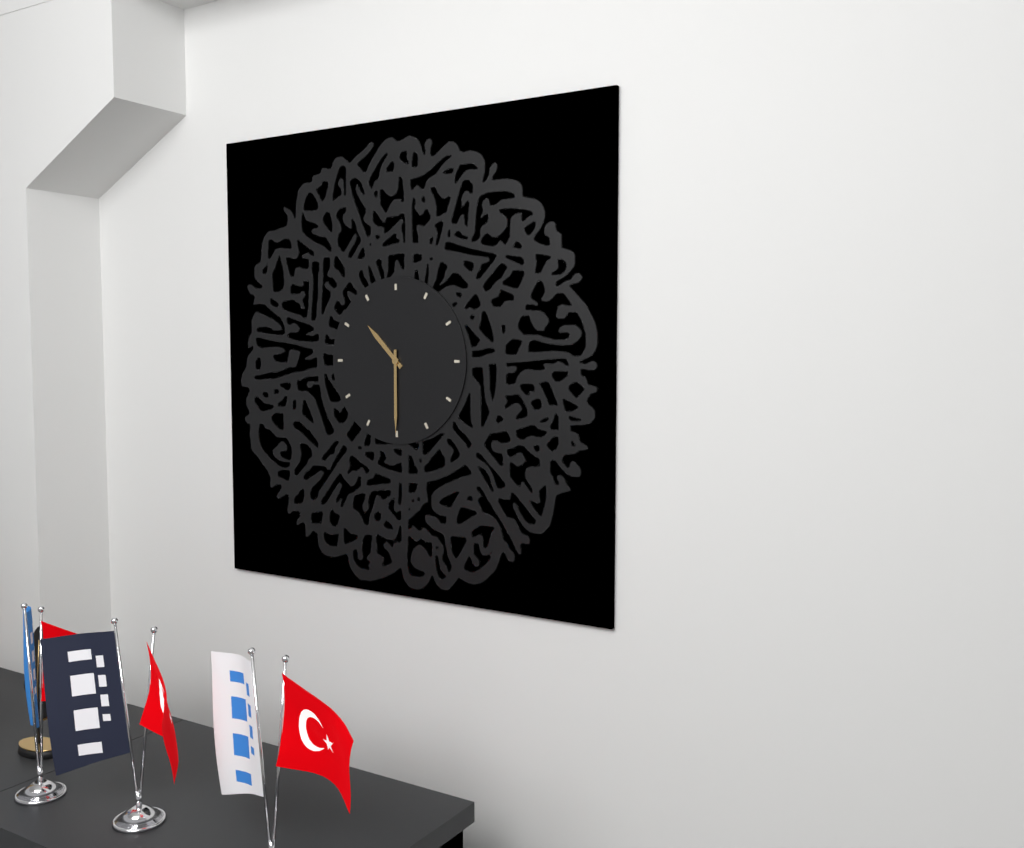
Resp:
**10:30**
